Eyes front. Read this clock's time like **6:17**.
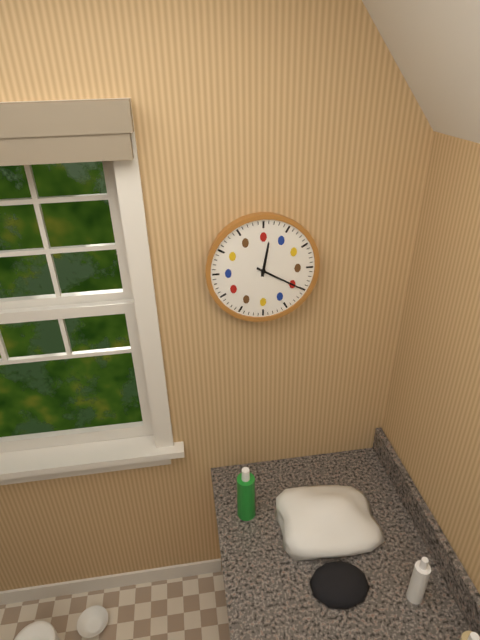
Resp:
**12:20**
